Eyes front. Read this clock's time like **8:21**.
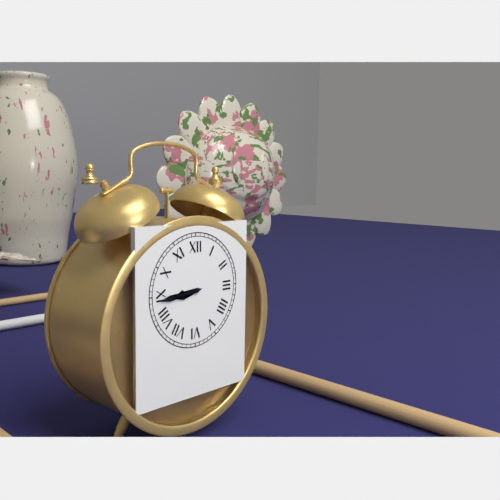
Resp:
**8:44**
